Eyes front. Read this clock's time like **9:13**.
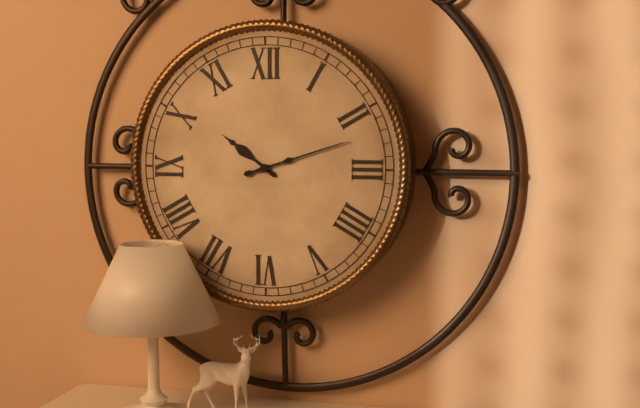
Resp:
**10:12**
